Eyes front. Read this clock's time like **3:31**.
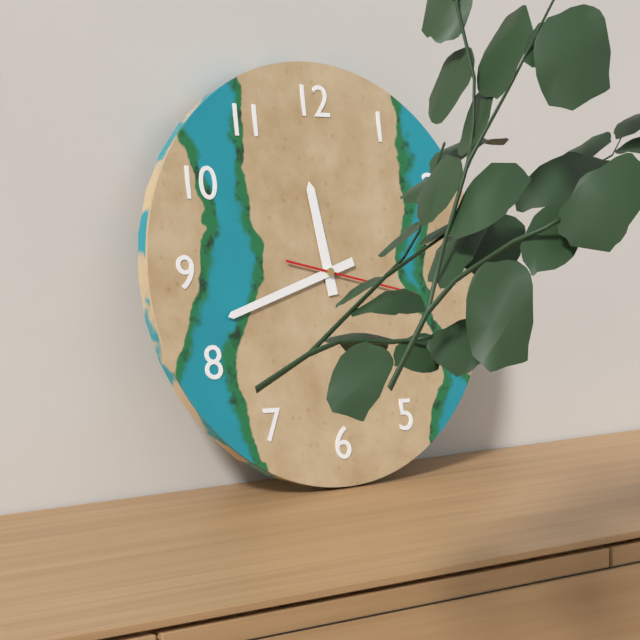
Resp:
**11:42**
